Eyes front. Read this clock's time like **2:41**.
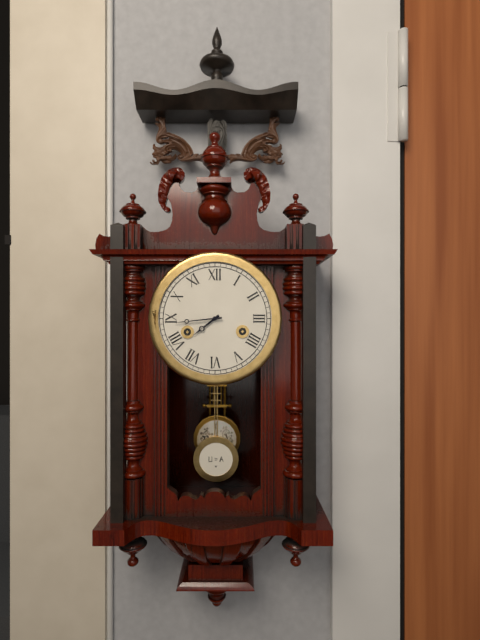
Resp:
**7:44**
